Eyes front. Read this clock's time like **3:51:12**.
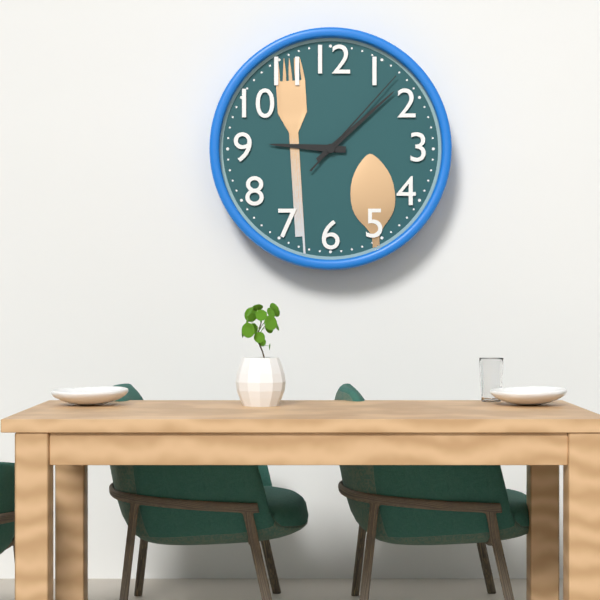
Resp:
**9:08:07**
